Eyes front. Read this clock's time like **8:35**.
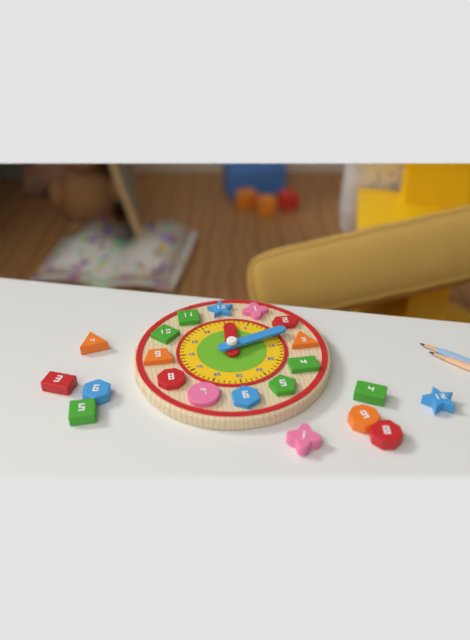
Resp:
**12:12**
